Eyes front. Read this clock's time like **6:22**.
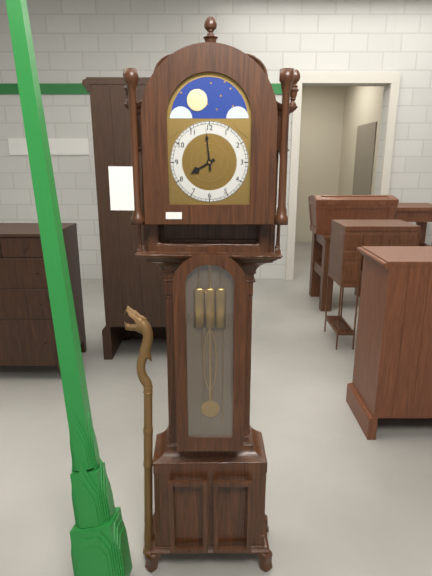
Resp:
**7:59**
